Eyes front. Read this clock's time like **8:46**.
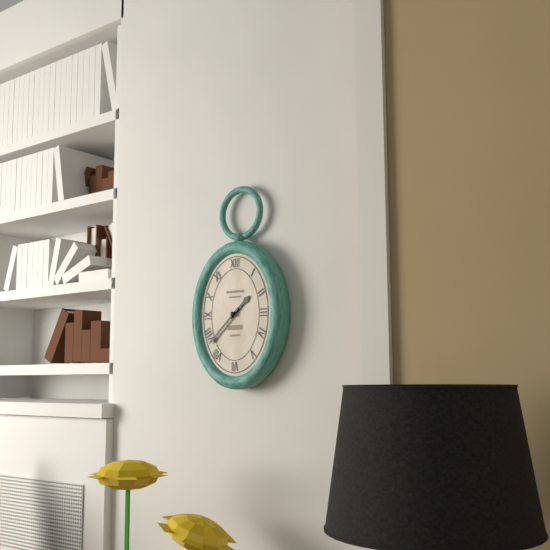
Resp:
**1:38**
